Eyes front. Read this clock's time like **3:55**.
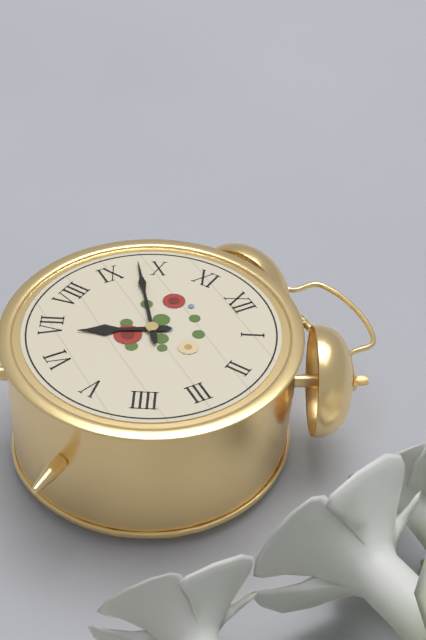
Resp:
**6:48**
